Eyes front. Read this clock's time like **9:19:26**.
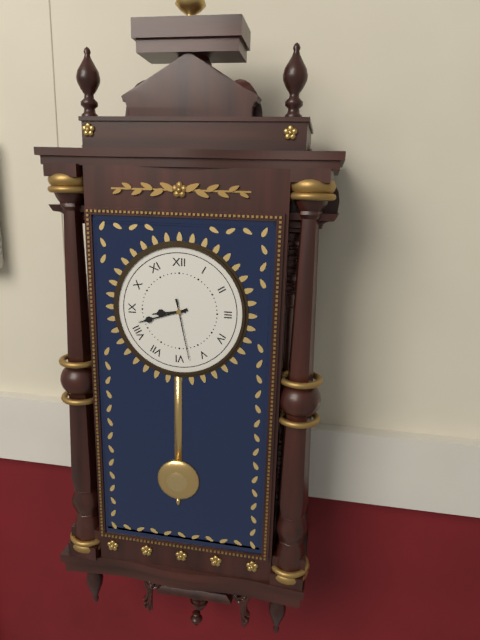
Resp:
**8:42:28**
